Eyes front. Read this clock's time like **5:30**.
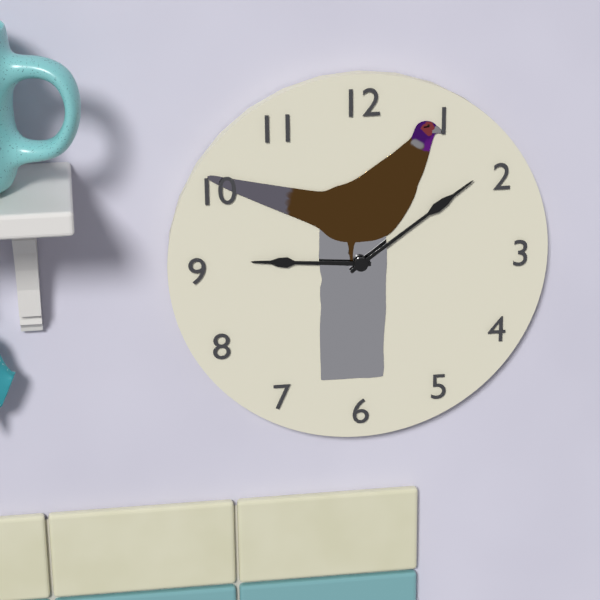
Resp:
**9:09**
